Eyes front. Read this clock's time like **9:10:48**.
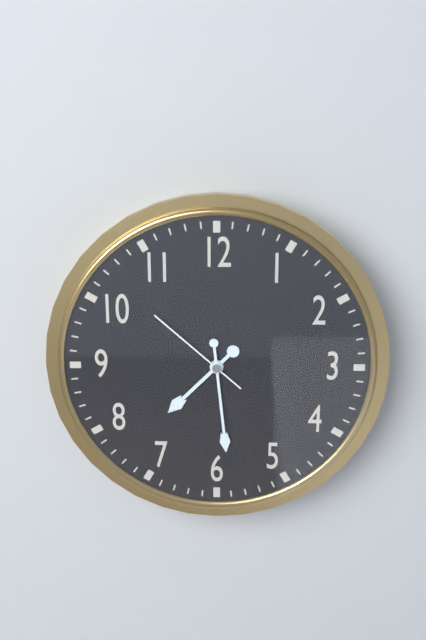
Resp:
**7:29:52**
